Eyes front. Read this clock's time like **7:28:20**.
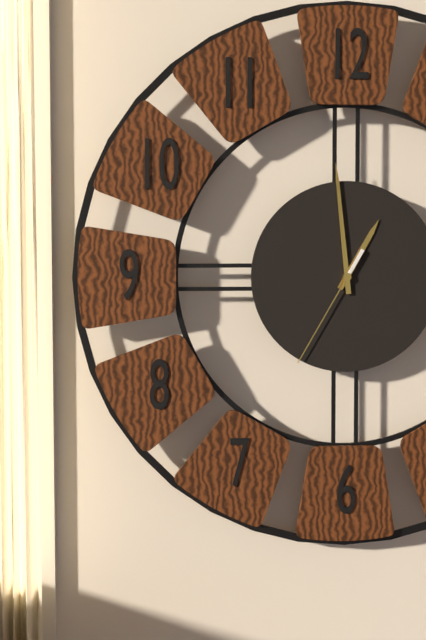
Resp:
**12:59:35**
